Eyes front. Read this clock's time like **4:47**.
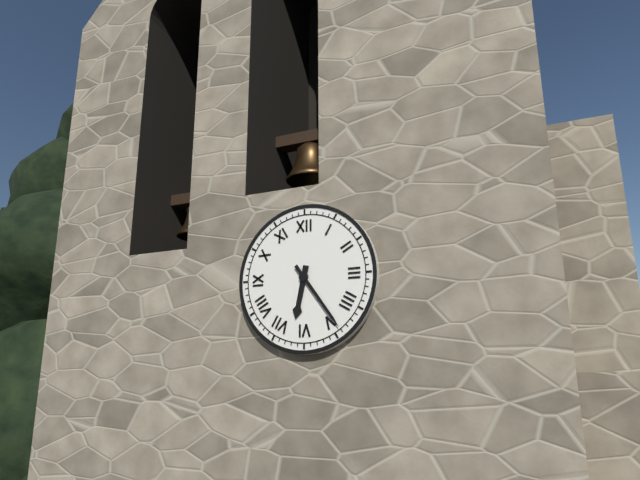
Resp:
**6:24**
